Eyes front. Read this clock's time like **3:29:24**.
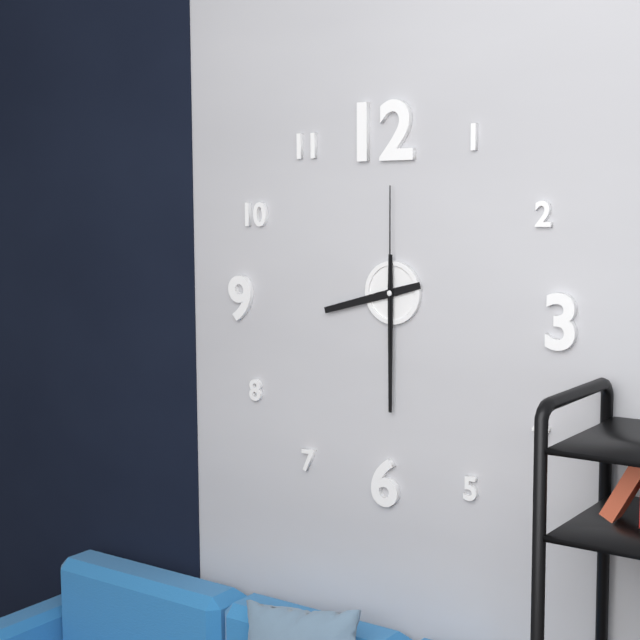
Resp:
**8:30:00**
